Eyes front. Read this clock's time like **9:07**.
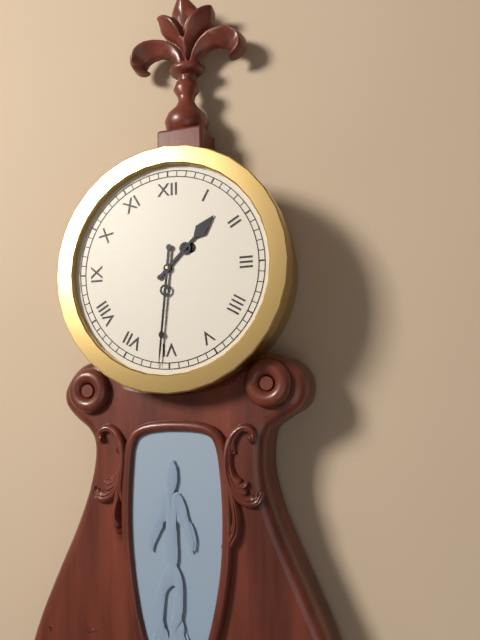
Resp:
**1:31**
